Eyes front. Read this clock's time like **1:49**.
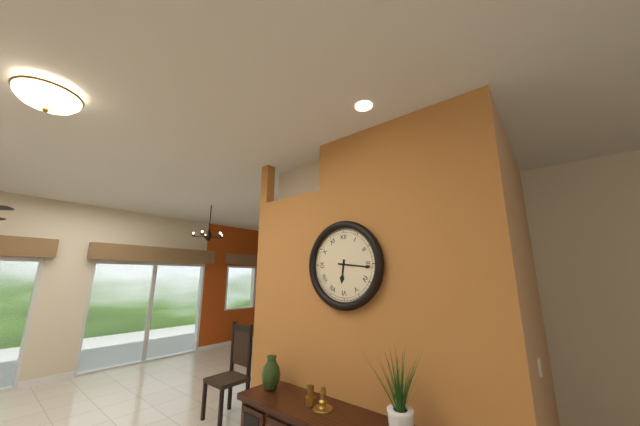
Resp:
**6:16**
